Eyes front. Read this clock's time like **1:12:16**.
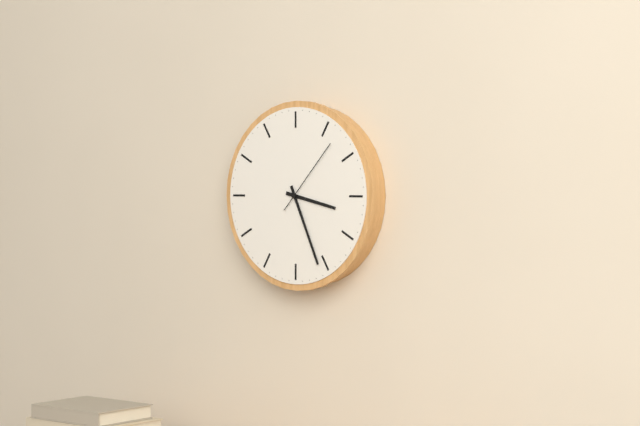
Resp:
**3:26:07**
